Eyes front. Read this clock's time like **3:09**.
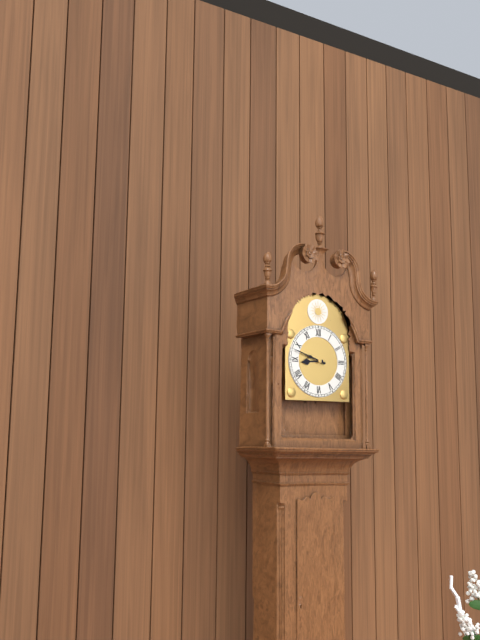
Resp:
**8:48**
